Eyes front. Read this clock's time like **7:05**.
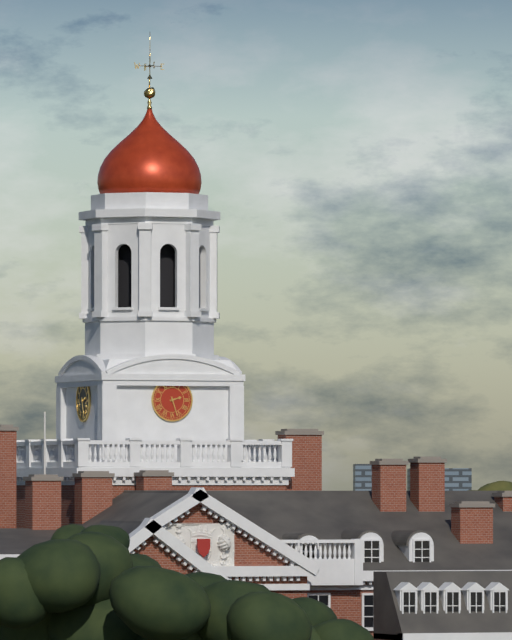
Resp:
**2:27**
